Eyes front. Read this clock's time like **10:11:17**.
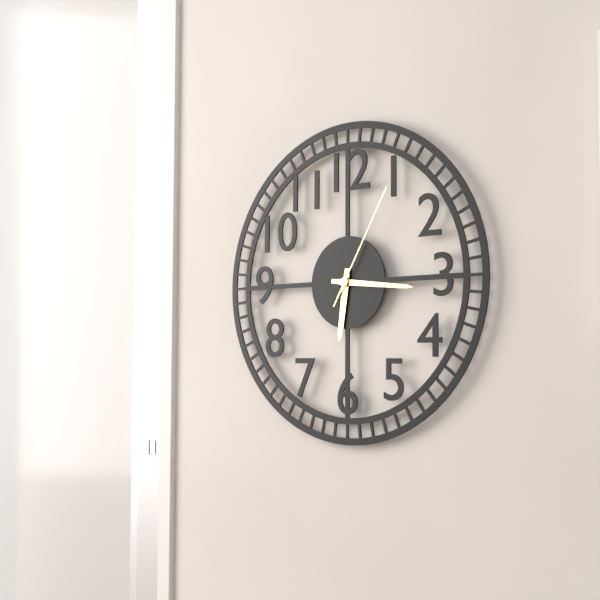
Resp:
**6:16:05**
